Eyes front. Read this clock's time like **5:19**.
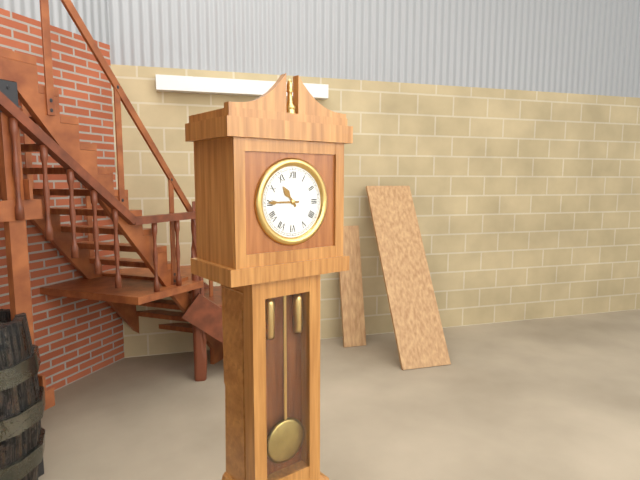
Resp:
**10:45**
